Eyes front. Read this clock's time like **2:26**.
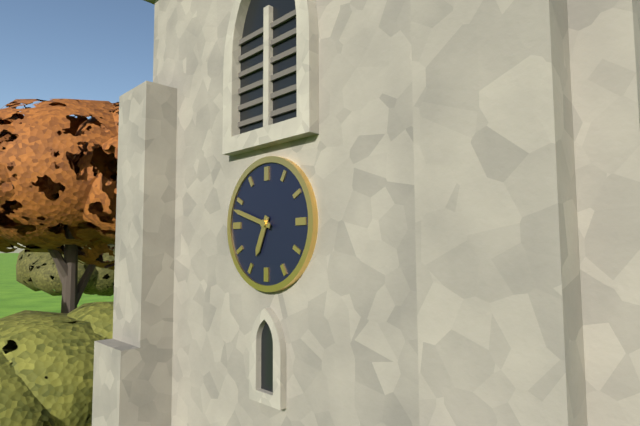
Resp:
**6:48**
